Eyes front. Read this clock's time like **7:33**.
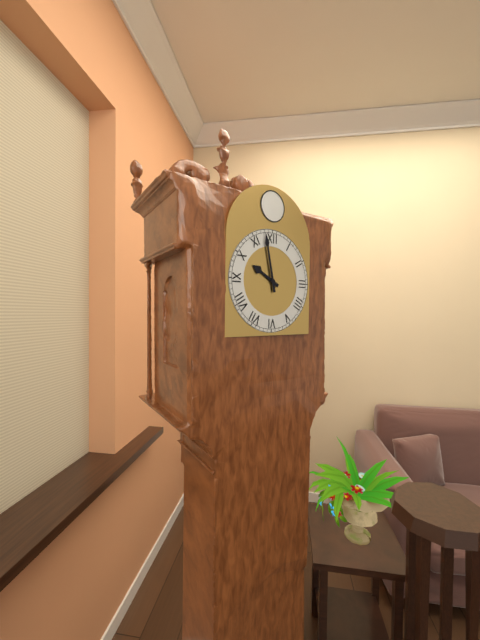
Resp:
**9:58**
